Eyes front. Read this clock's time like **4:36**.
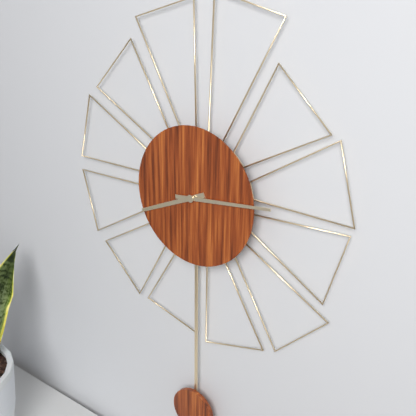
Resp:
**8:14**
